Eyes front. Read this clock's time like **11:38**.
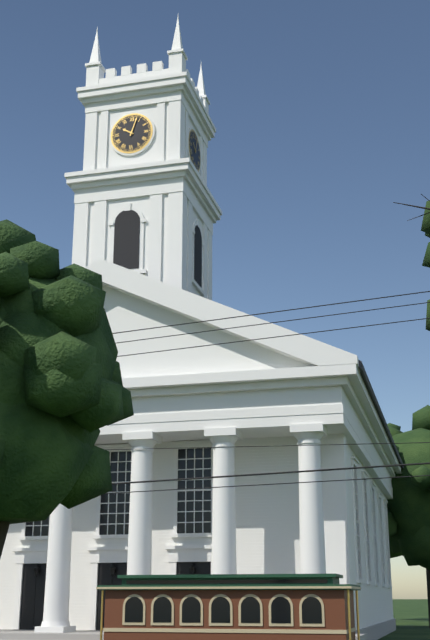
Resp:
**10:03**
